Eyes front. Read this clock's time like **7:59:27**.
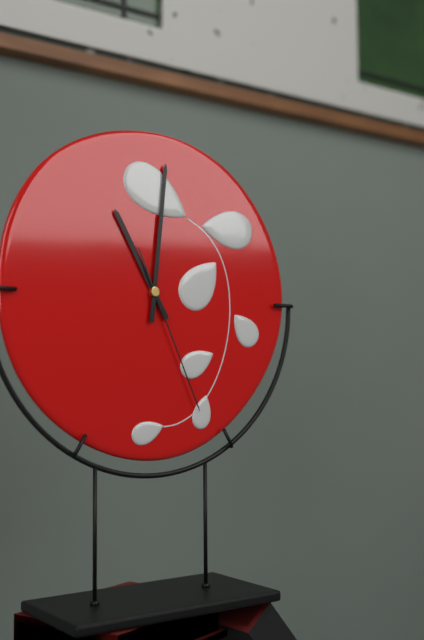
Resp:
**11:01:26**
